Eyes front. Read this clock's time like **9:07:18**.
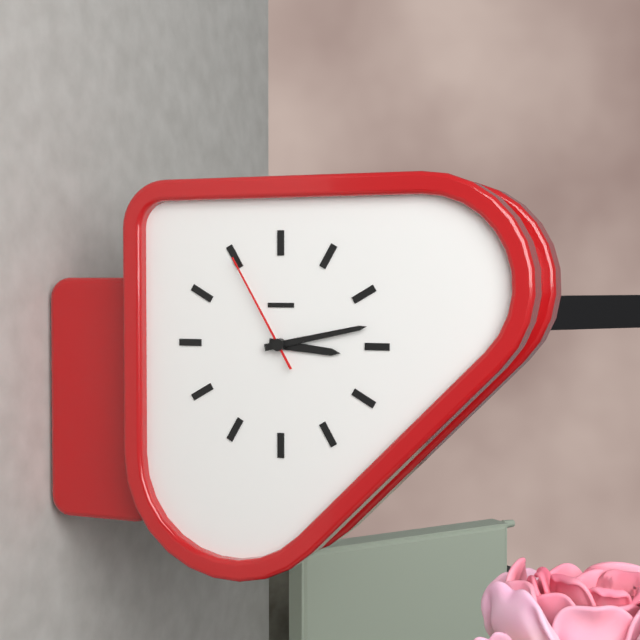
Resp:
**3:13:55**
